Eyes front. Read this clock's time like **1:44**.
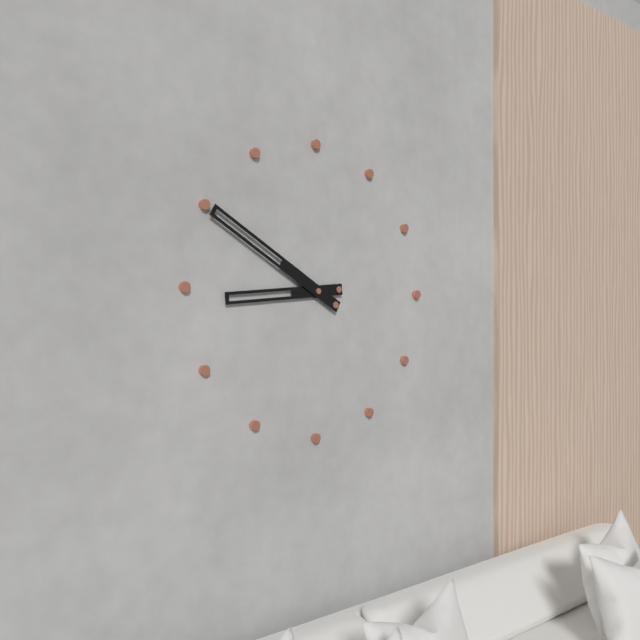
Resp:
**8:50**
